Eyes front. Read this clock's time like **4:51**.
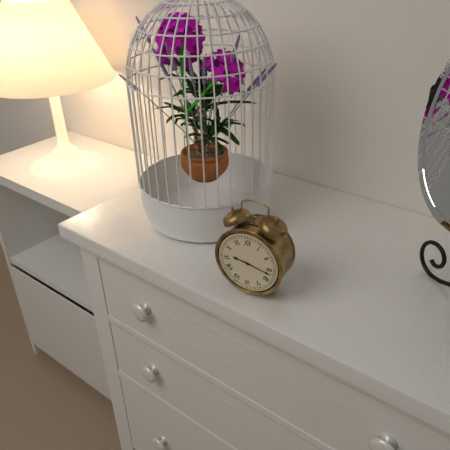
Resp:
**9:17**
